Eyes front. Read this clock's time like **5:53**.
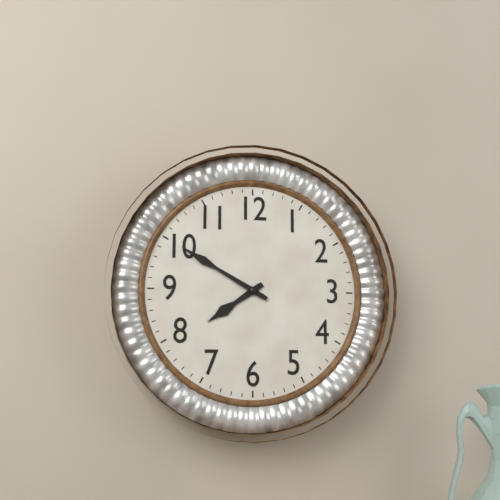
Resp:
**7:50**
